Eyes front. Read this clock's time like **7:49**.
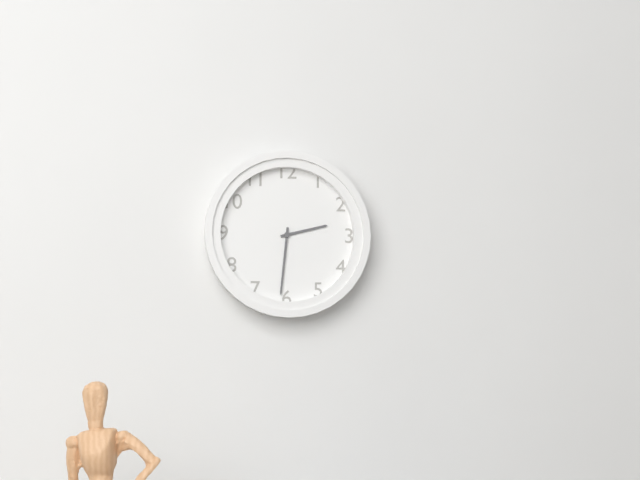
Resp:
**2:31**
